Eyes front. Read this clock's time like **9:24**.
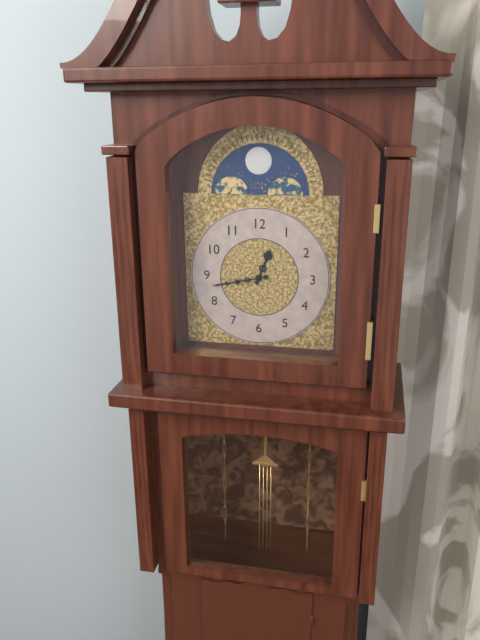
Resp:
**12:43**
